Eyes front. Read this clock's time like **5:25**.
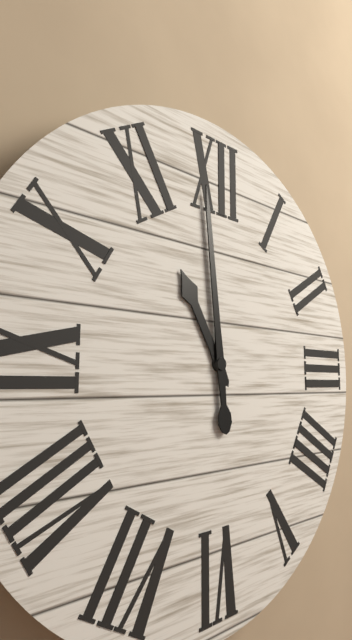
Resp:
**10:59**
